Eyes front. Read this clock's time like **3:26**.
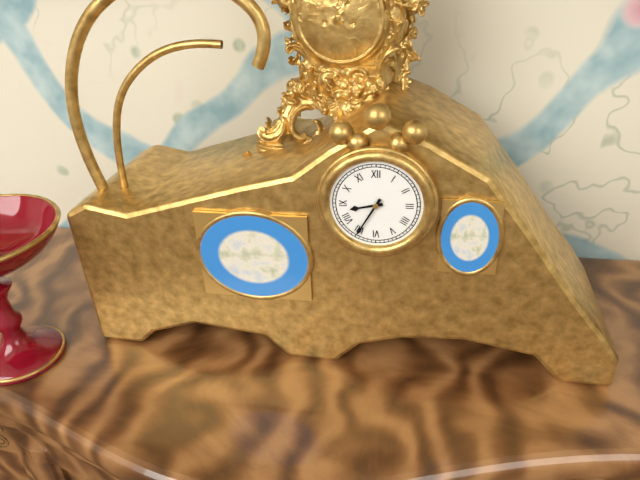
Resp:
**8:35**
